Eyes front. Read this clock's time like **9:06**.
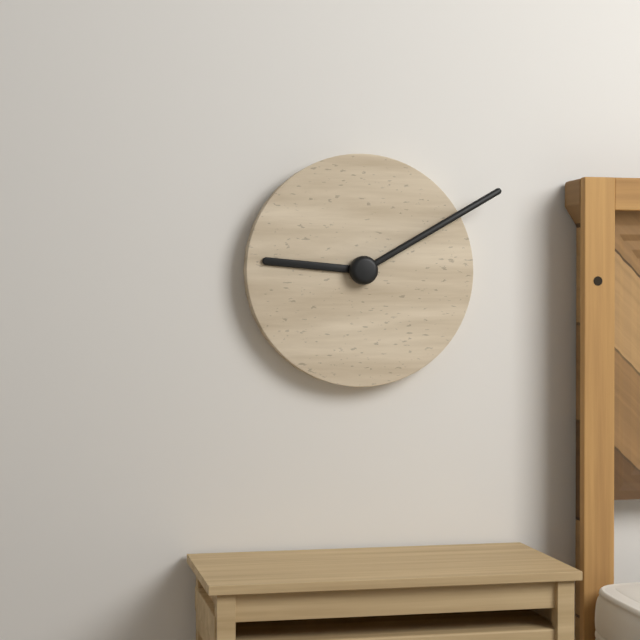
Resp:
**9:10**
